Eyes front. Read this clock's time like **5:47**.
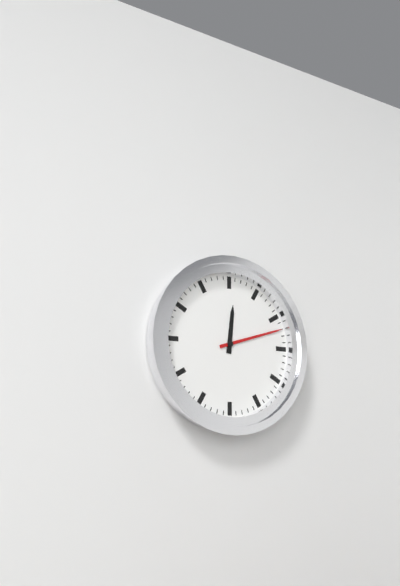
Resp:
**12:12**
